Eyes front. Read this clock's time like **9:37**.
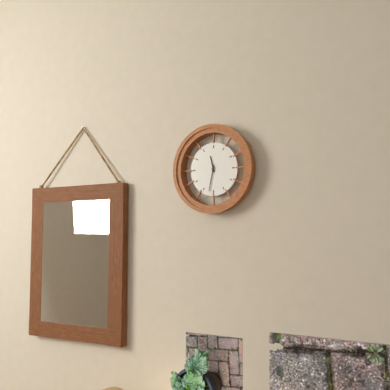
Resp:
**11:32**
